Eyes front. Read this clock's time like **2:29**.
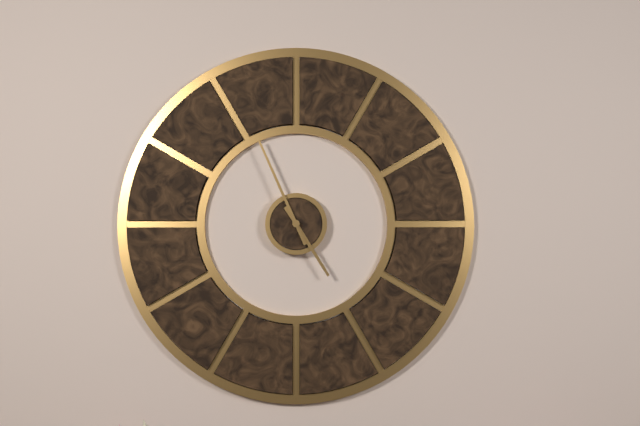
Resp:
**4:56**
